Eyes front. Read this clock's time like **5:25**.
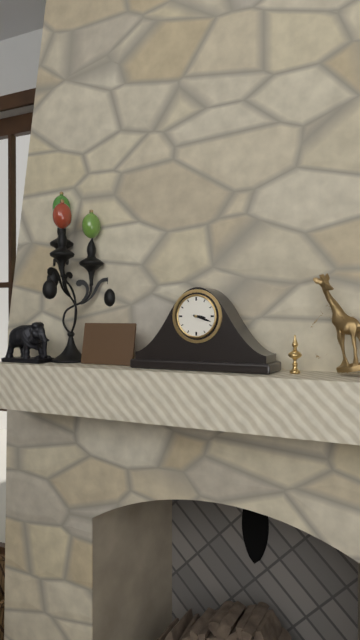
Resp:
**3:18**
